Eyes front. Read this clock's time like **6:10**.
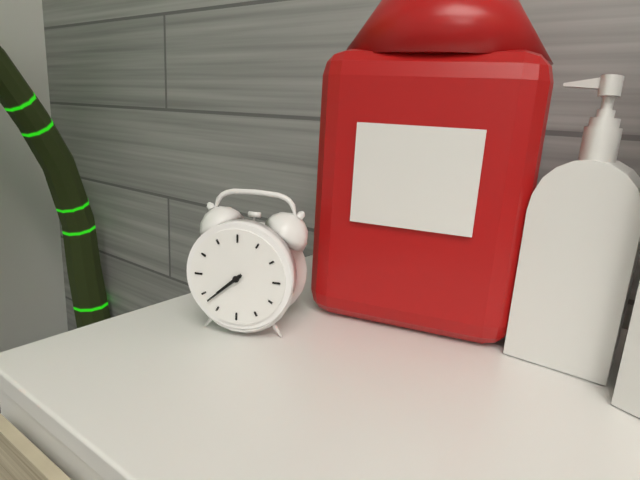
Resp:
**7:38**
